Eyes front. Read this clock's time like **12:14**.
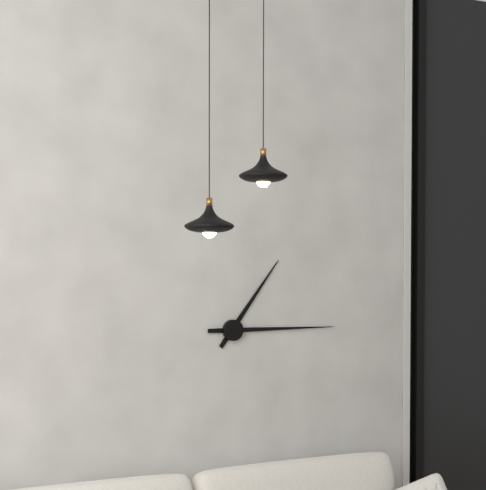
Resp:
**1:15**
